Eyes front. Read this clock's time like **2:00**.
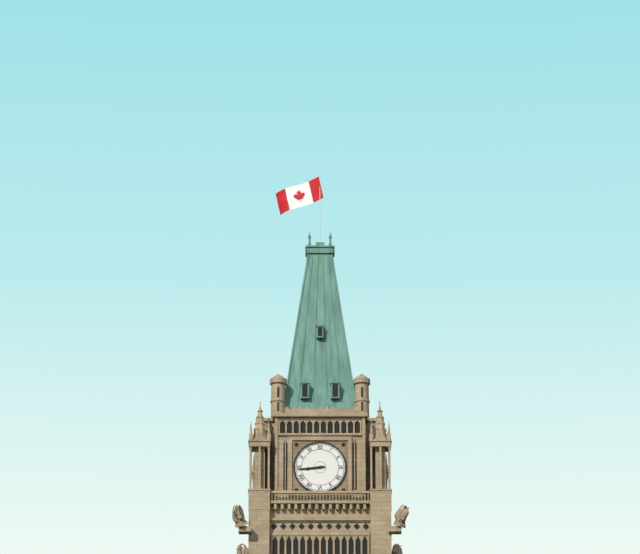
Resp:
**8:44**
